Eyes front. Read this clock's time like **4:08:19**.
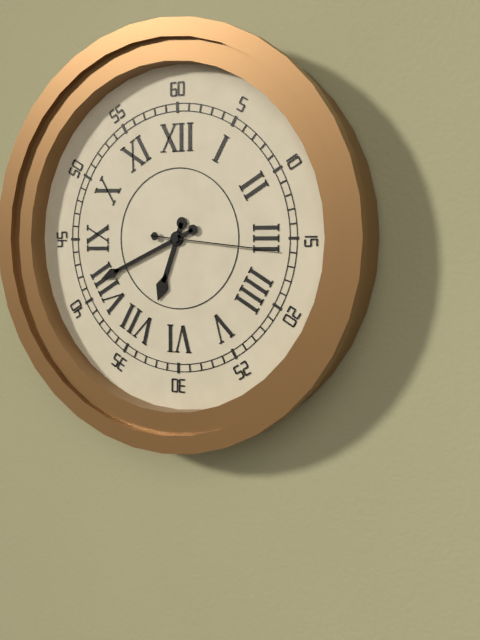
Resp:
**6:41:16**
